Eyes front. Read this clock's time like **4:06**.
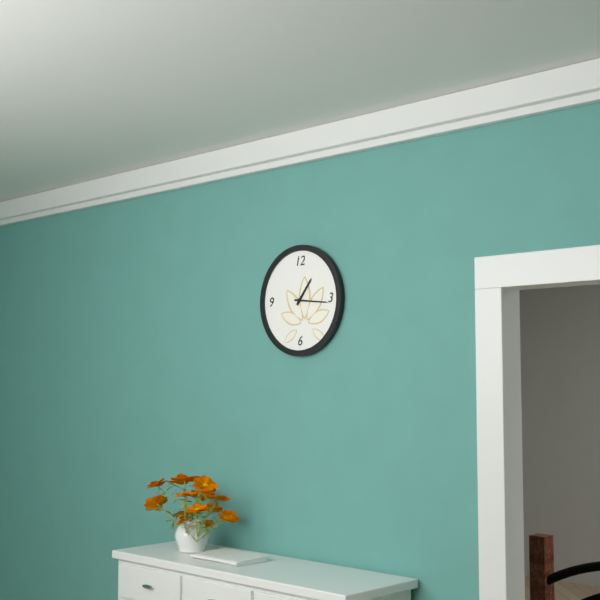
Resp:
**1:16**
